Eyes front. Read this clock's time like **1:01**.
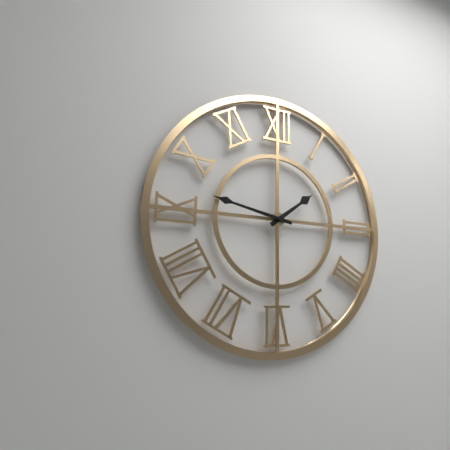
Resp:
**1:47**
